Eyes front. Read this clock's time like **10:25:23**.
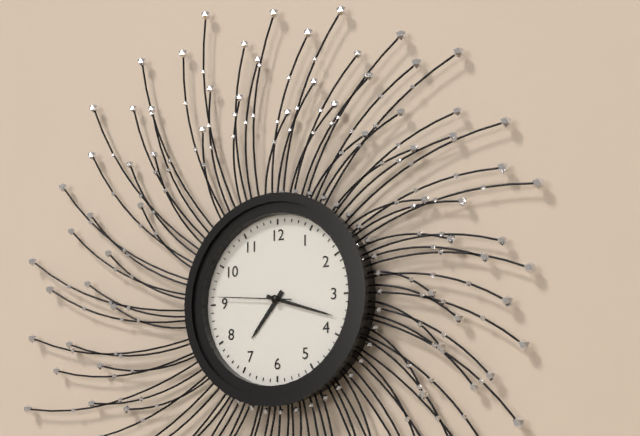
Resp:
**7:18:46**
